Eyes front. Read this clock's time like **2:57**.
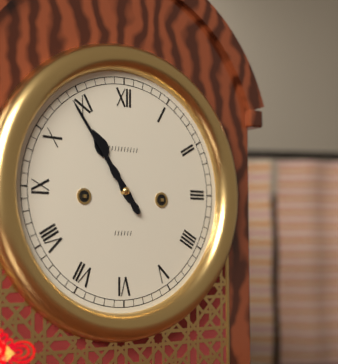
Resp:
**10:54**
